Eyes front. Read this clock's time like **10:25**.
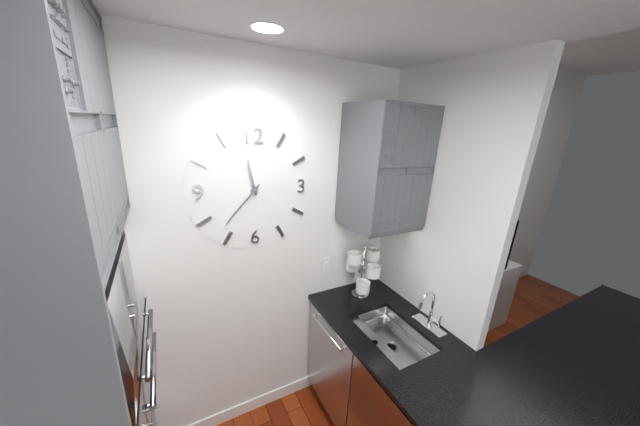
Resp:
**11:37**
